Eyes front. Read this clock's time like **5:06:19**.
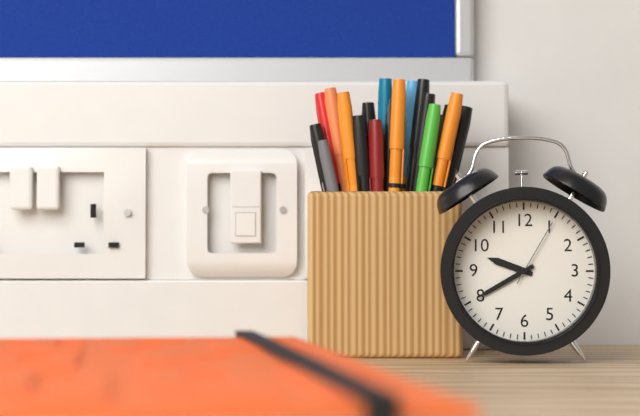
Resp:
**9:40:05**
